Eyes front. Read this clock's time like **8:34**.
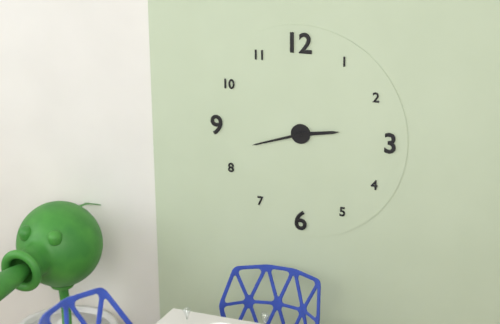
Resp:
**2:42**
